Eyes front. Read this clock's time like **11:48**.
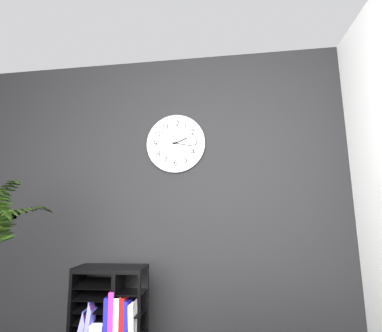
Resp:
**2:17**
